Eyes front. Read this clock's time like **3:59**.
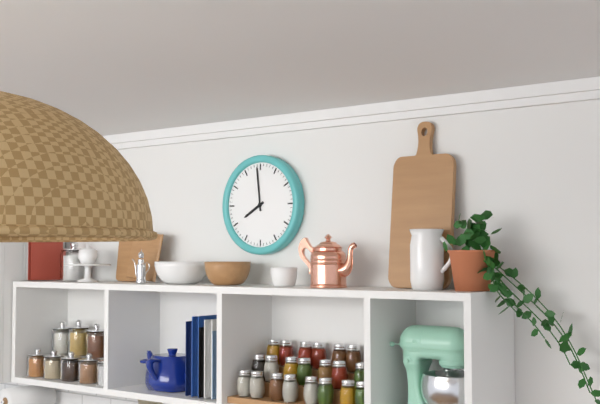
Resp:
**7:59**
